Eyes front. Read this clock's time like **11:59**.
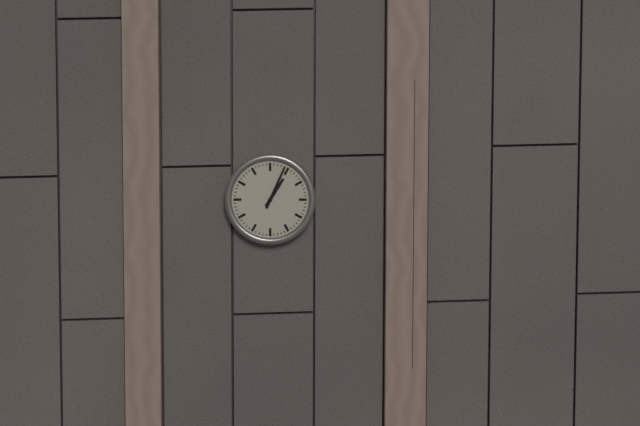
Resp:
**1:04**
